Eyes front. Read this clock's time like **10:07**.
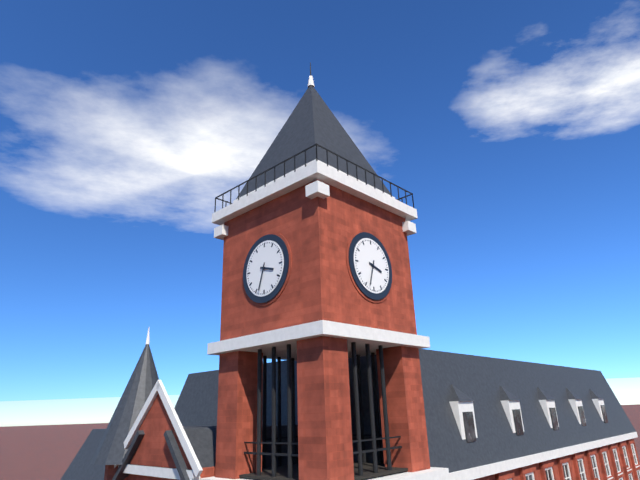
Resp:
**3:33**
